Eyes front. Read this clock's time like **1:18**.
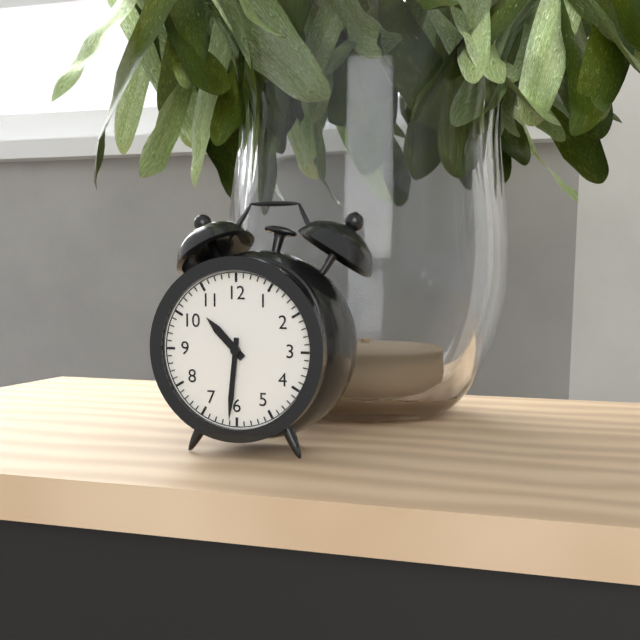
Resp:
**10:31**
